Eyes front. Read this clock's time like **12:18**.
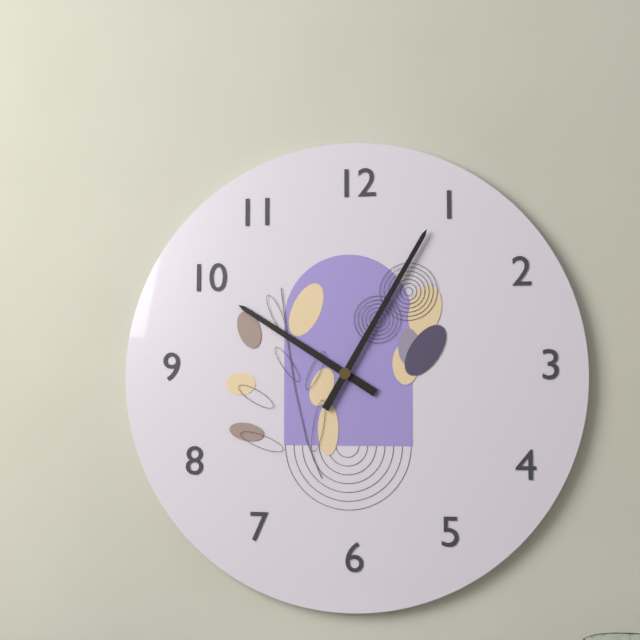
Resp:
**10:05**
